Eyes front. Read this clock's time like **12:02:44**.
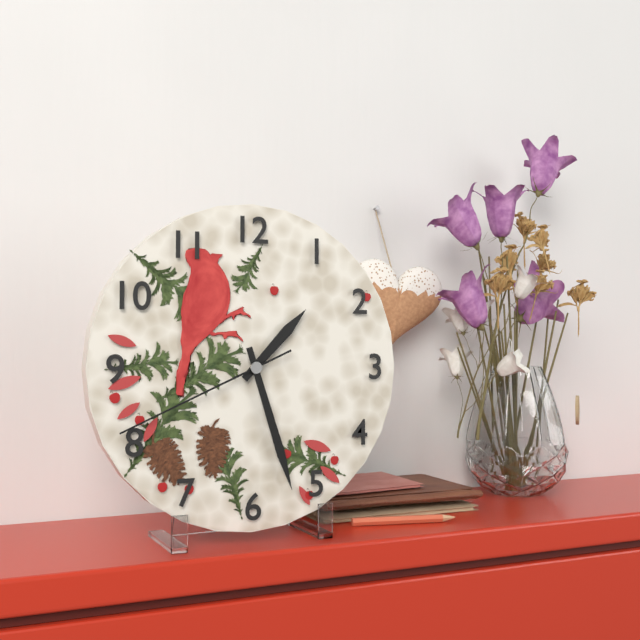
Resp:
**1:27:41**
